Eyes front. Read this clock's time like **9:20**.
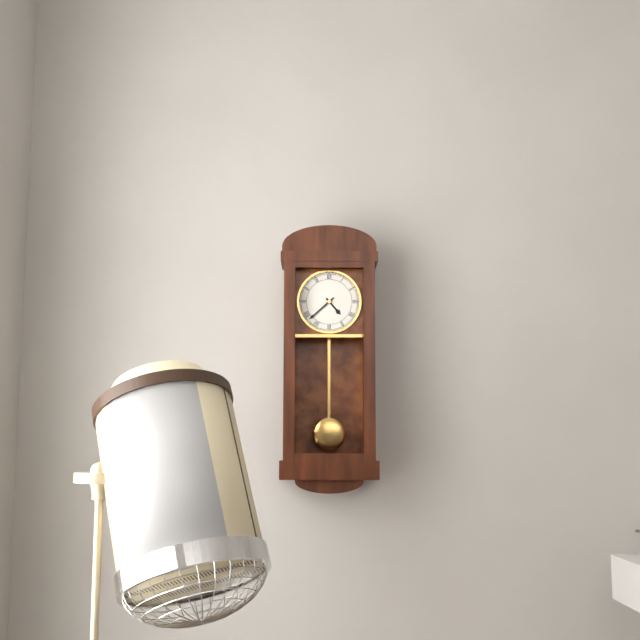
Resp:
**4:38**
